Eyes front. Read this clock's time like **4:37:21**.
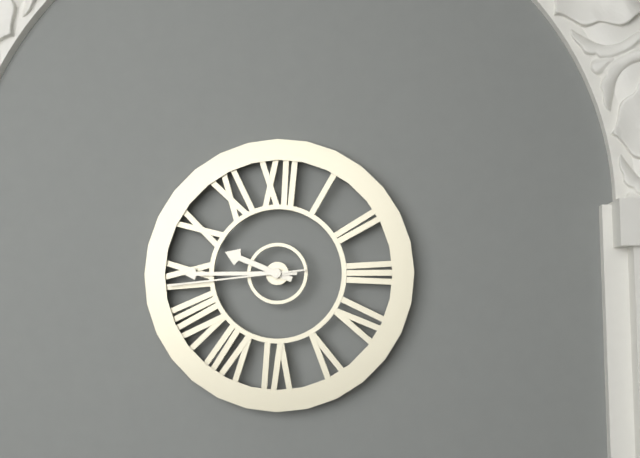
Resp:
**9:45:44**
